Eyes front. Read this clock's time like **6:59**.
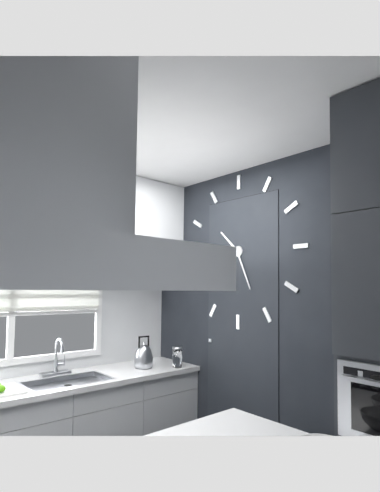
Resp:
**10:26**
